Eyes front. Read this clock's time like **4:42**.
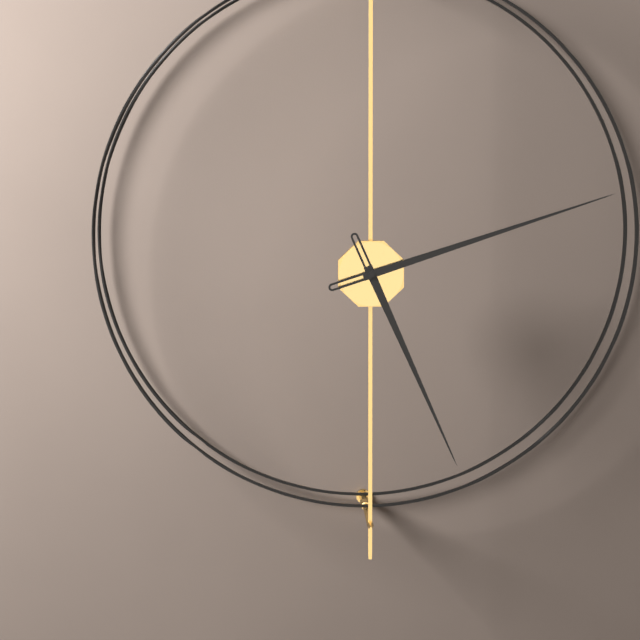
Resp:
**5:12**
